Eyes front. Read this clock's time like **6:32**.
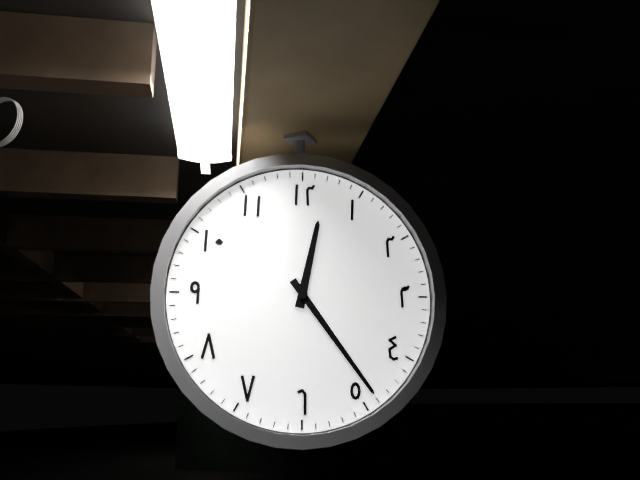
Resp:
**12:24**
